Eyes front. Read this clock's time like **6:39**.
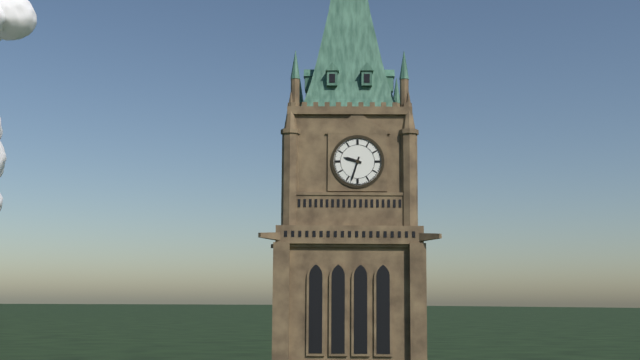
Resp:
**9:33**
